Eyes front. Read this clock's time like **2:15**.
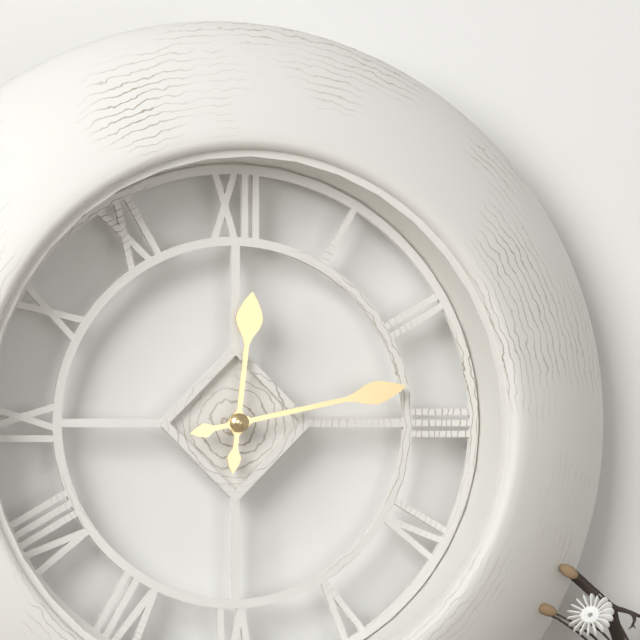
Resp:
**12:13**
